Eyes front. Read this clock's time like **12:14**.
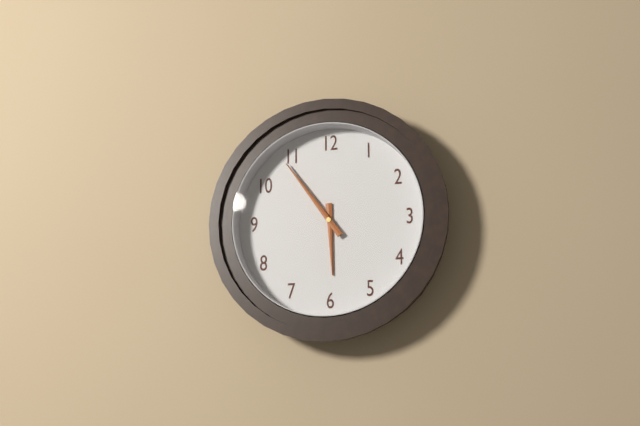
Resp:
**5:54**
